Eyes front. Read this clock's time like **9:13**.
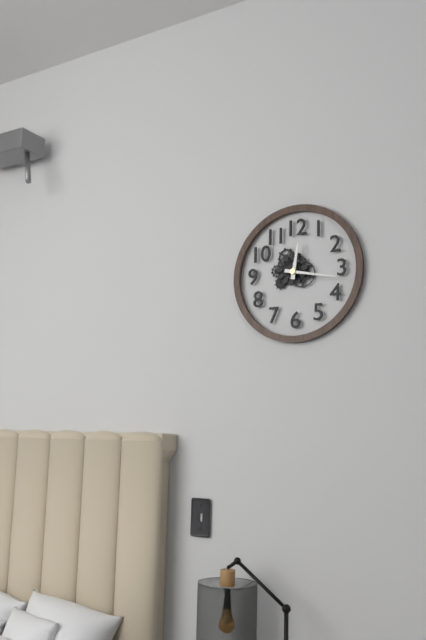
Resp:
**12:17**
